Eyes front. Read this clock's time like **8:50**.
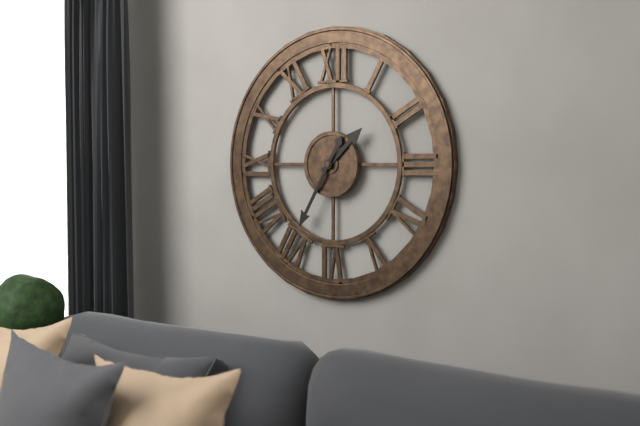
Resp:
**1:35**
